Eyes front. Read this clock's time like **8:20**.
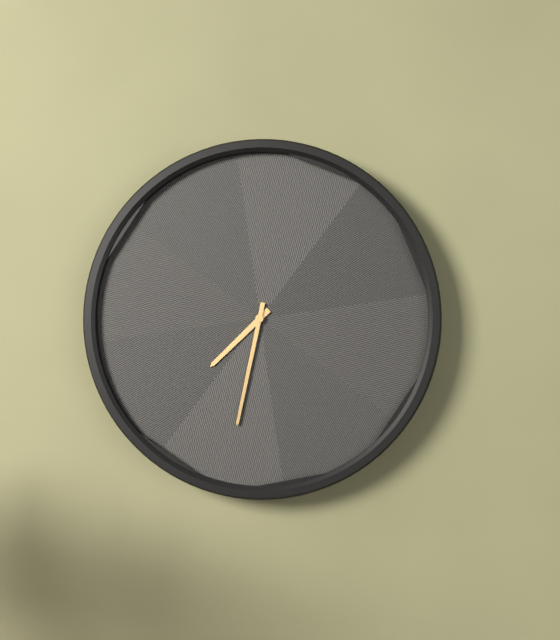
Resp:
**7:32**
